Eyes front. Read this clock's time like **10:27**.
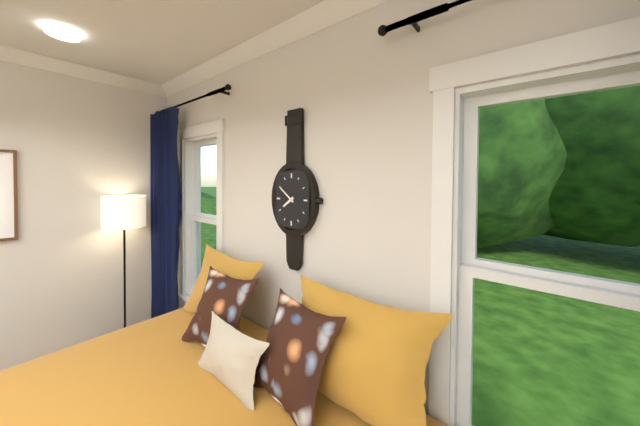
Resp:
**7:51**
